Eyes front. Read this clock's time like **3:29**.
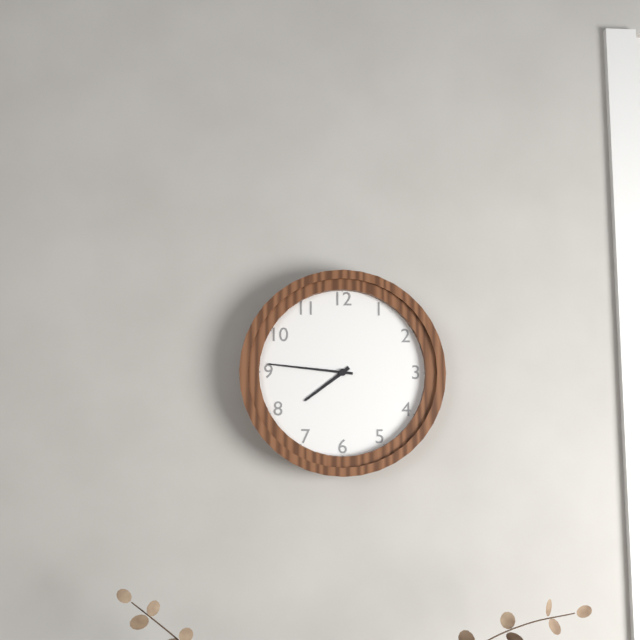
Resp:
**7:46**
